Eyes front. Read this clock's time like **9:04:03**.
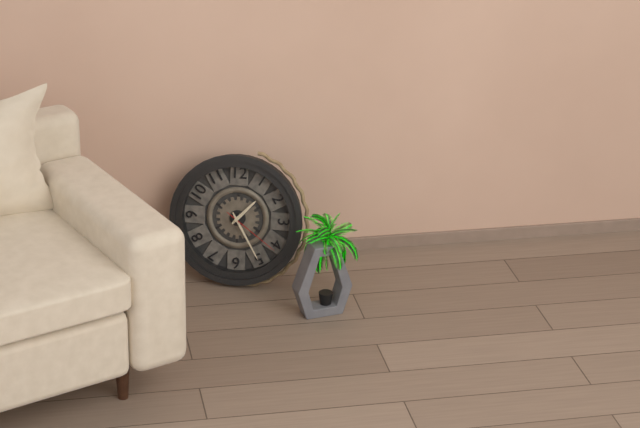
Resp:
**1:25:21**
